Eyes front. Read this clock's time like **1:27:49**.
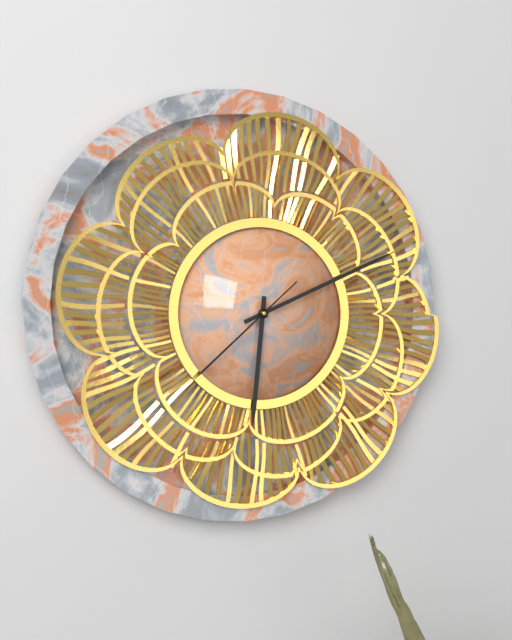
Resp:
**6:11:38**
